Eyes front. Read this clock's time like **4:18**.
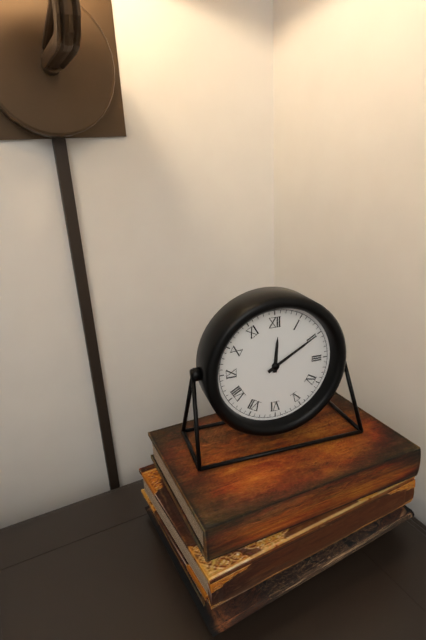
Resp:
**12:10**
